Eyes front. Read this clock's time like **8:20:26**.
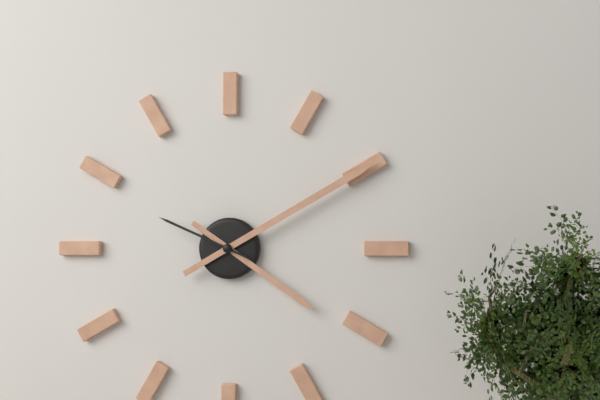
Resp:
**4:10:49**
